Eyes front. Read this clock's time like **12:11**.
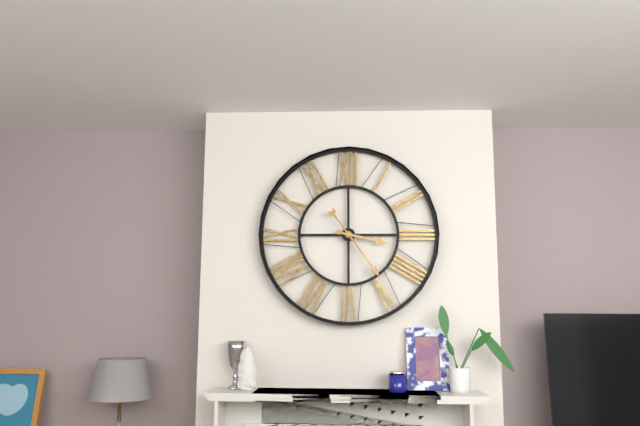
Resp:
**3:24**
